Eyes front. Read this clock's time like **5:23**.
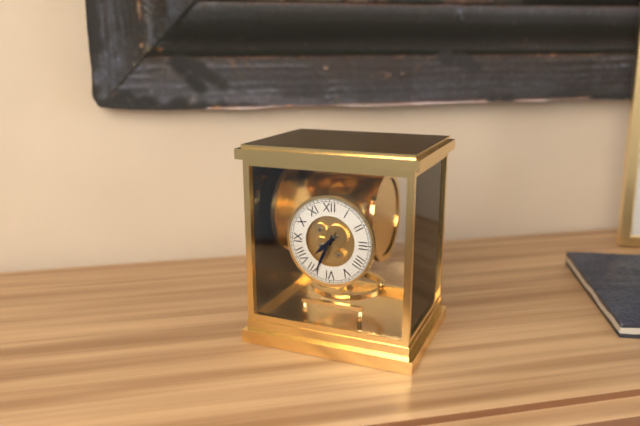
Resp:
**7:34**
